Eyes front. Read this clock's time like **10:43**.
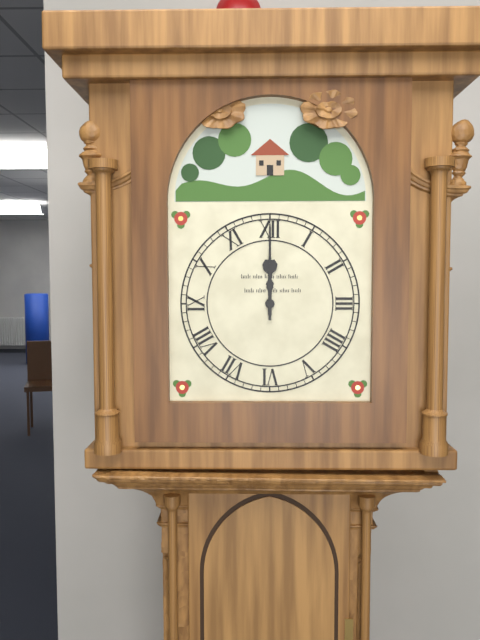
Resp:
**12:00**
